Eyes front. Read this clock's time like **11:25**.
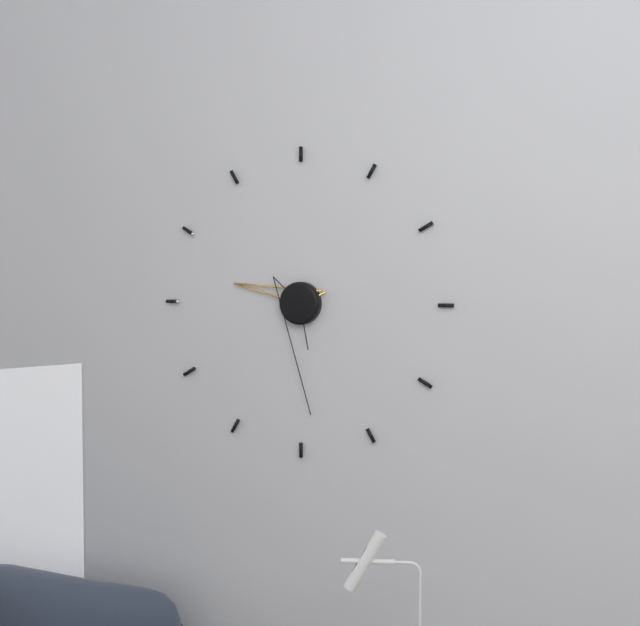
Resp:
**9:29**
